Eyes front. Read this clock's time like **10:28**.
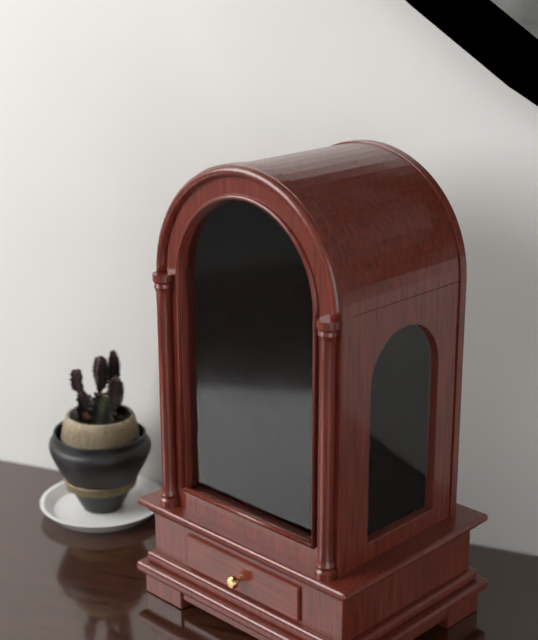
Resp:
**9:03**
